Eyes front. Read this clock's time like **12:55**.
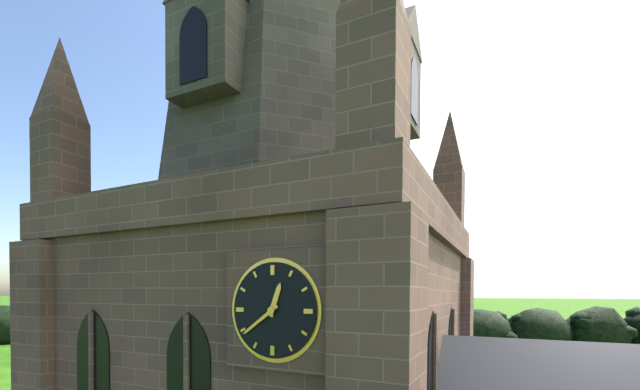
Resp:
**12:39**
